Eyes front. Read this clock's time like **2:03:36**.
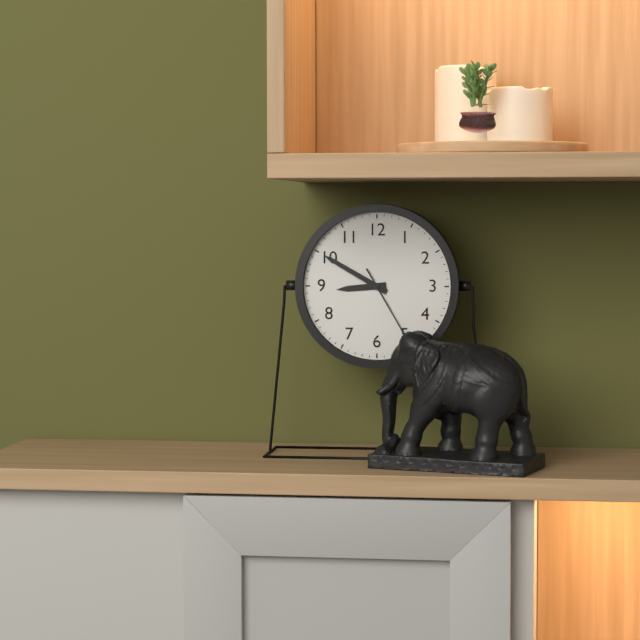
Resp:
**8:50:25**
